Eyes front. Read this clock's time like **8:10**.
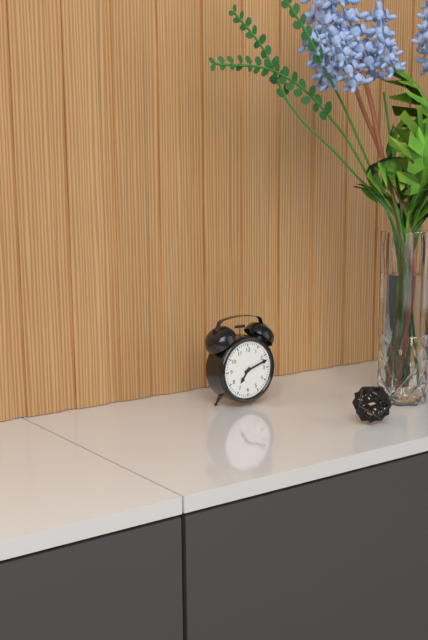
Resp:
**7:12**
